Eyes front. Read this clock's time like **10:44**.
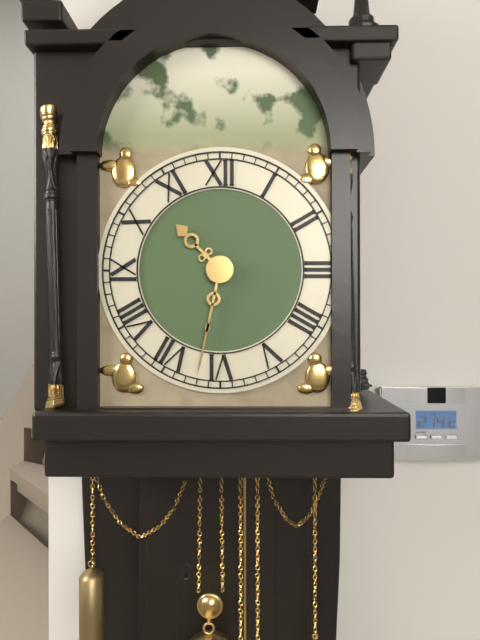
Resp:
**10:32**
